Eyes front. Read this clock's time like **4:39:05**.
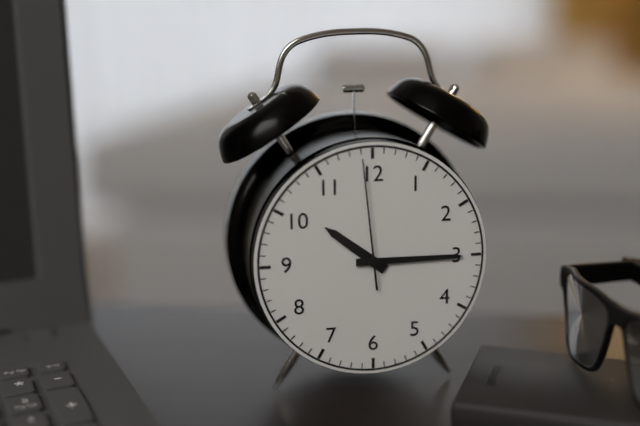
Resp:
**10:15:59**
